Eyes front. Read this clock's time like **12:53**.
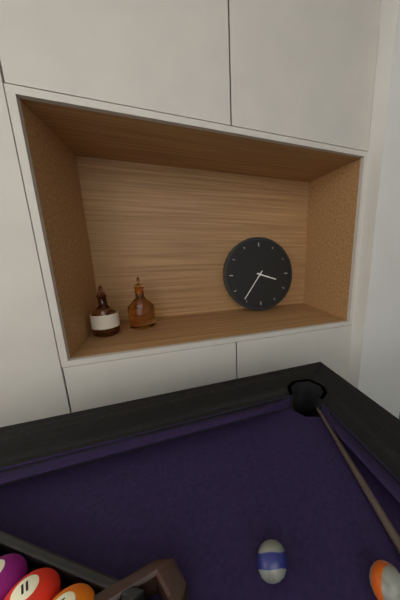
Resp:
**3:36**
